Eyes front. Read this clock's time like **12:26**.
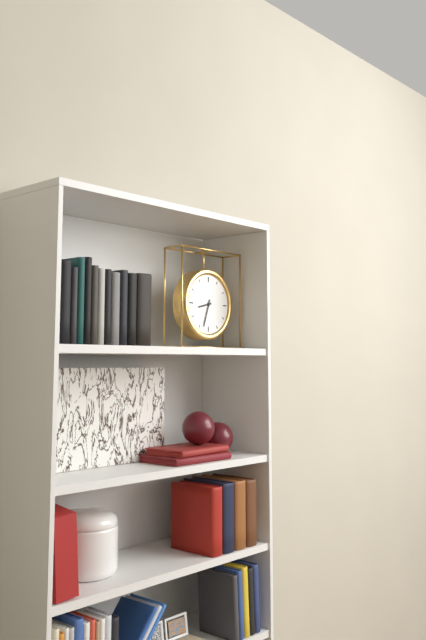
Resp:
**8:33**
